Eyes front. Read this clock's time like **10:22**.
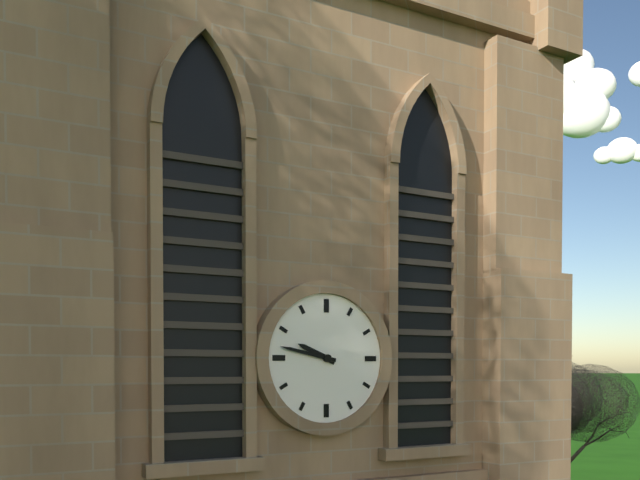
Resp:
**9:47**
